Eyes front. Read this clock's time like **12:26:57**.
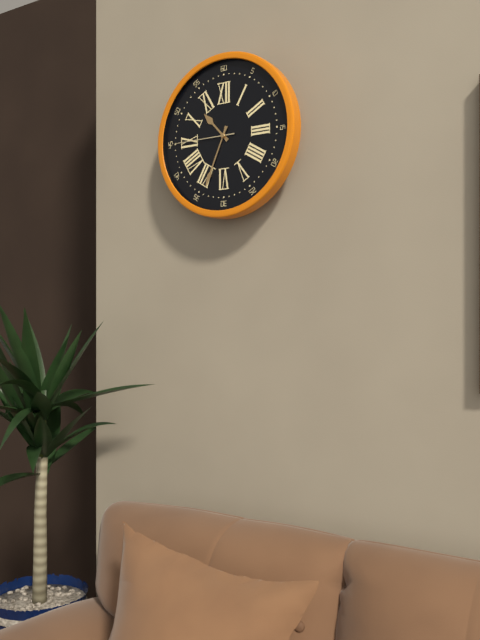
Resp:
**10:34:45**
